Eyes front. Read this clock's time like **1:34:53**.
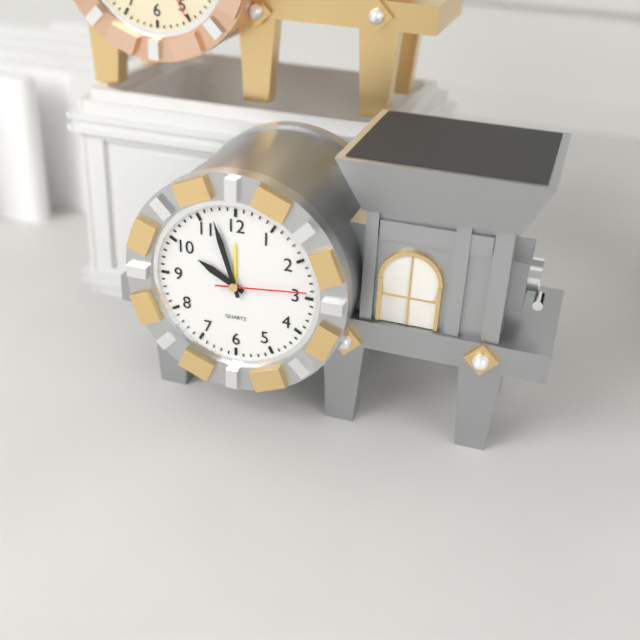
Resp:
**9:57:14**
